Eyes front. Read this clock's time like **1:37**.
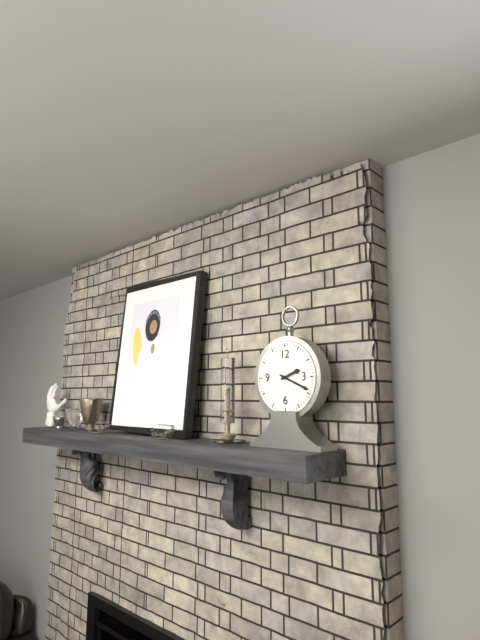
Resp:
**2:19**
